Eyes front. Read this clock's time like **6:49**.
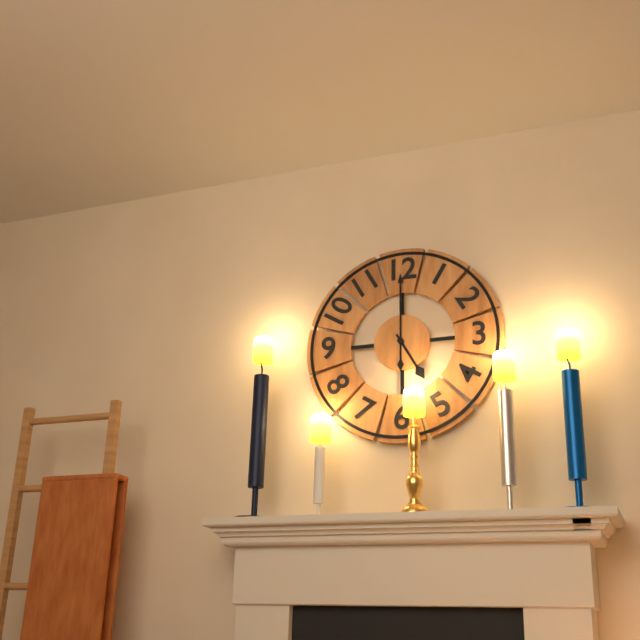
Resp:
**5:00**
